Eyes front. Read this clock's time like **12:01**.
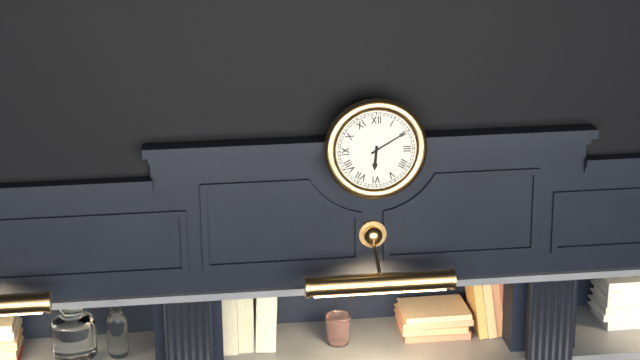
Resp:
**6:10**
